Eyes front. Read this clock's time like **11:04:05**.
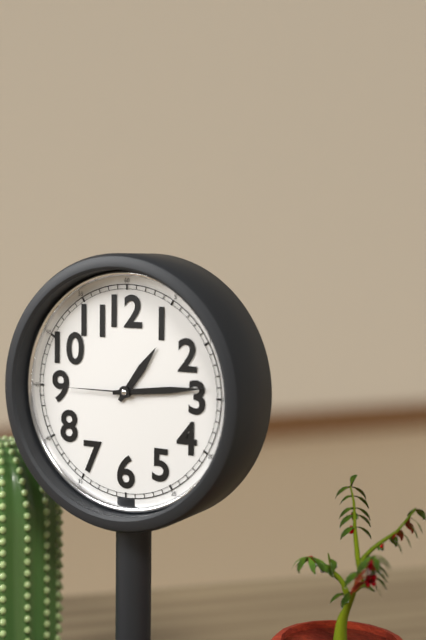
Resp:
**1:14:45**
